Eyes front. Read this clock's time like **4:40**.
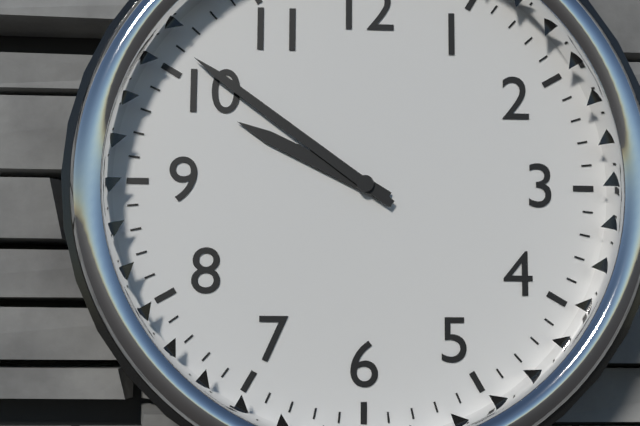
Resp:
**9:51**
